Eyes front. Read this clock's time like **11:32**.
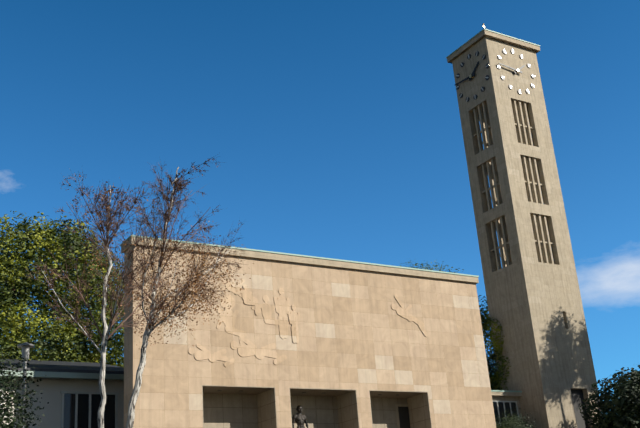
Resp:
**1:46**
